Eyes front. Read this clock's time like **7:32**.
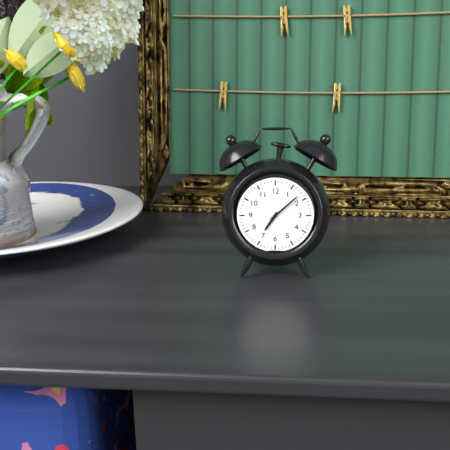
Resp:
**7:08**
